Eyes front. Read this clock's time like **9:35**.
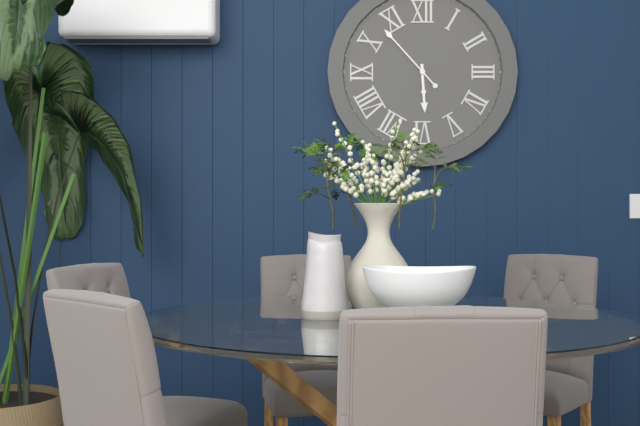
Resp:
**5:53**
